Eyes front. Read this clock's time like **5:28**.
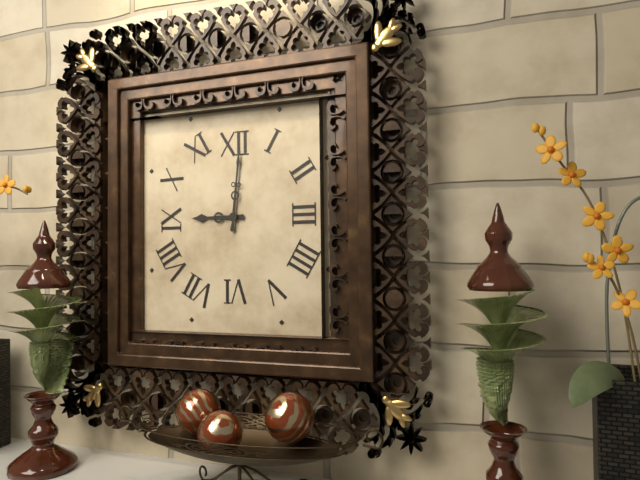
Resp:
**9:01**
